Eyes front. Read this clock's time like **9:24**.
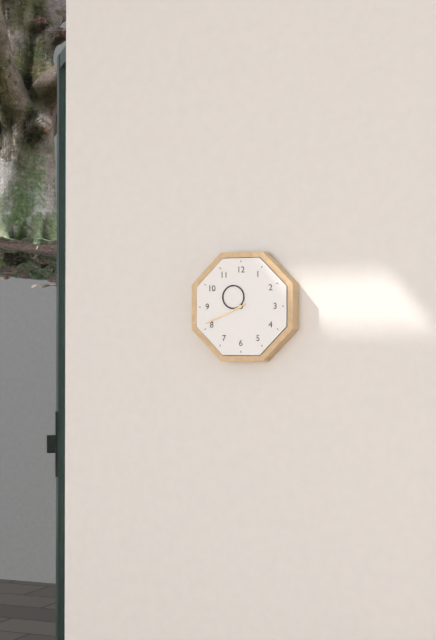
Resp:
**10:41**
